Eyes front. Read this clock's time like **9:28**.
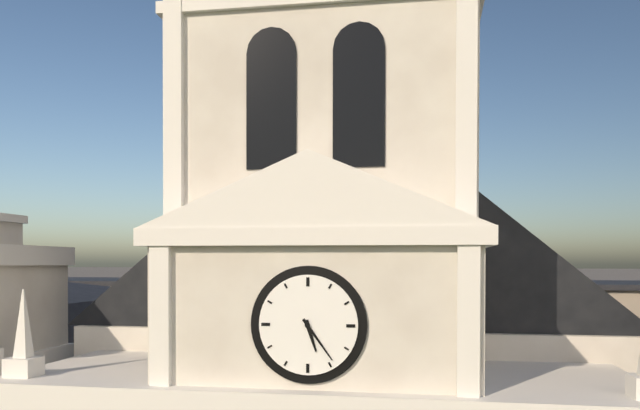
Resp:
**5:24**
